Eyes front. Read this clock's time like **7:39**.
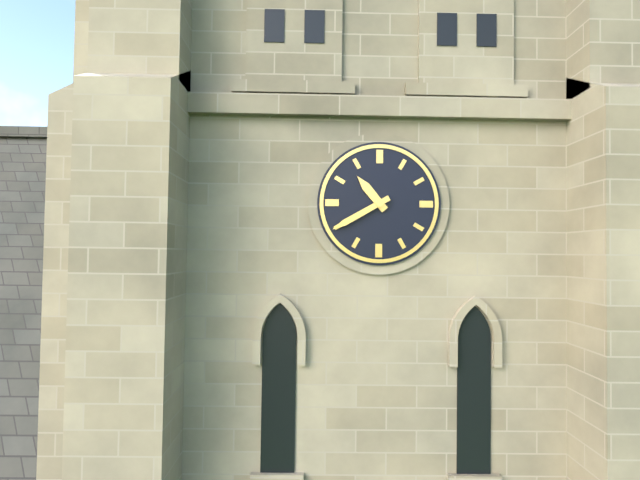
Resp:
**10:40**
